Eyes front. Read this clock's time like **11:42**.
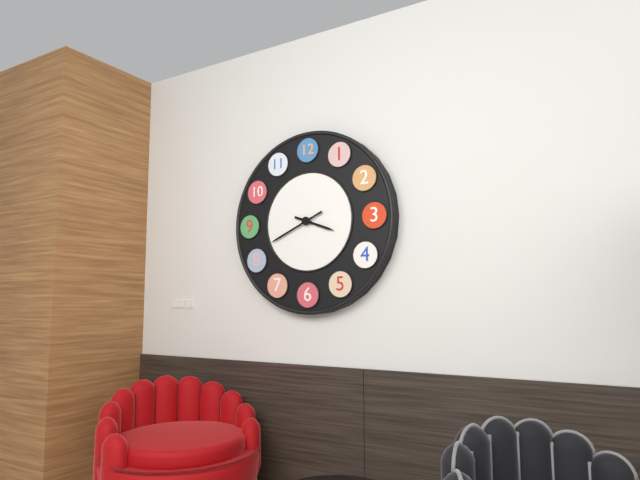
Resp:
**3:41**
